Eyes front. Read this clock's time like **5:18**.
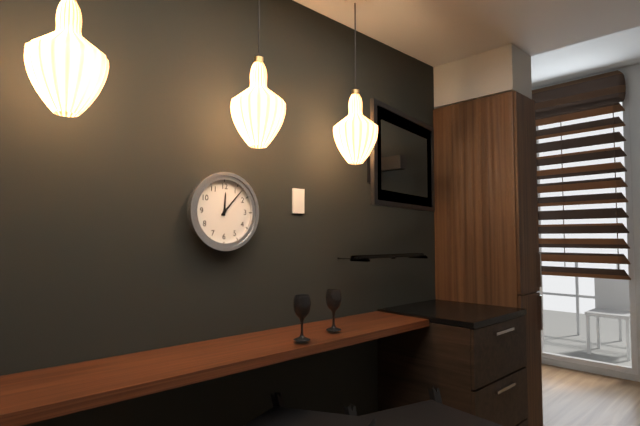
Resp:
**12:07**
